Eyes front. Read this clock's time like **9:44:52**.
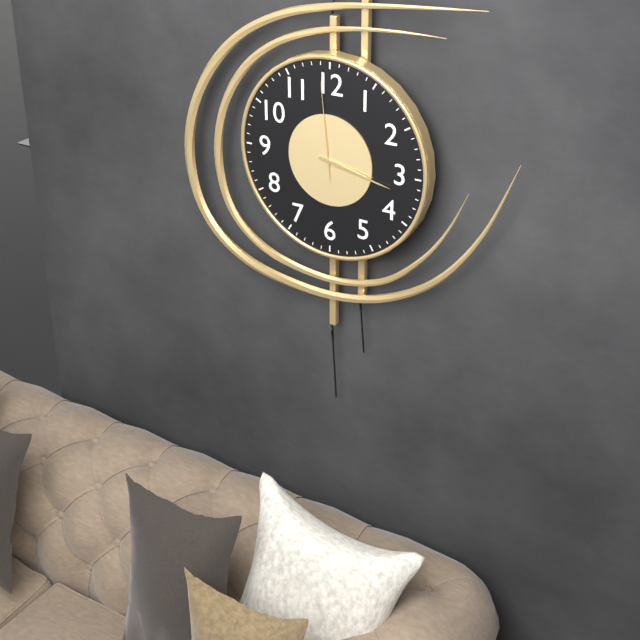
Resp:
**3:17:59**
